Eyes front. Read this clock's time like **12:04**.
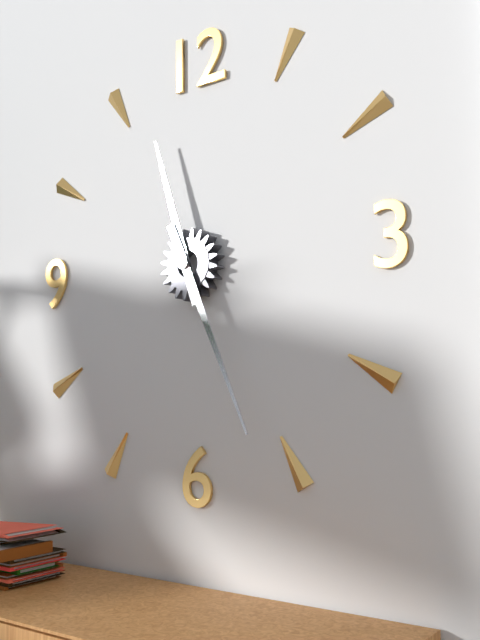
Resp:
**11:26**
